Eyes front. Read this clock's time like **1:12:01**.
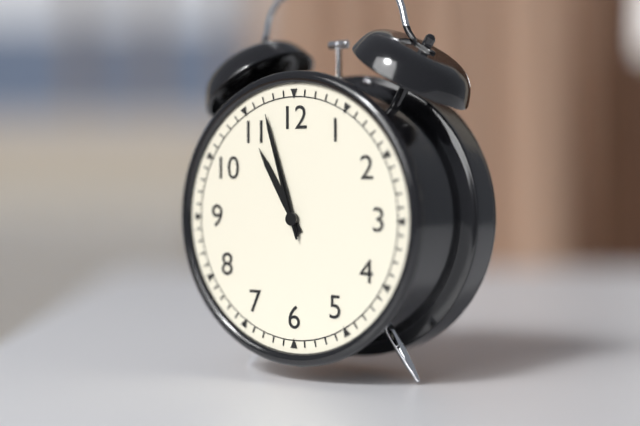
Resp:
**10:57:57**
